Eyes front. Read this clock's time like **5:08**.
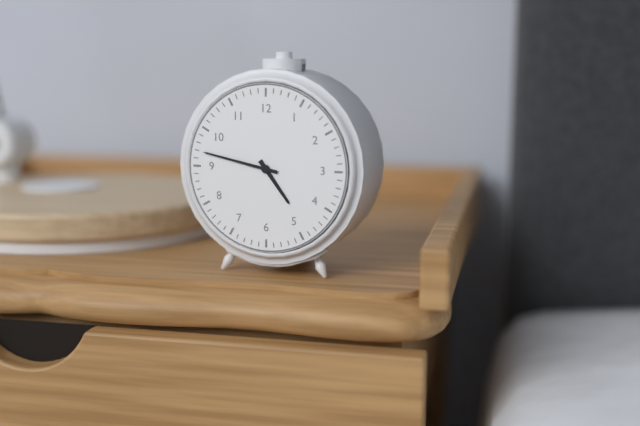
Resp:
**4:47**
